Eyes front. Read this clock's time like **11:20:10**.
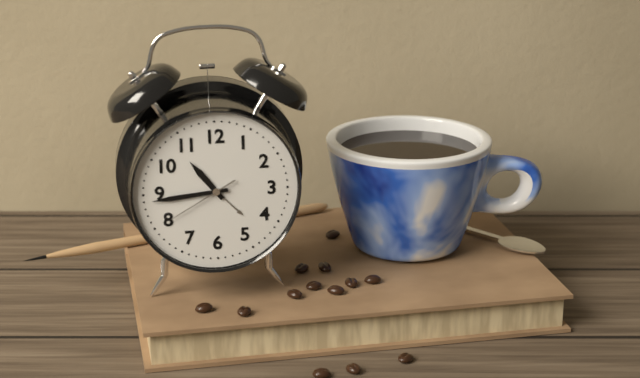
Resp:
**10:44:40**
